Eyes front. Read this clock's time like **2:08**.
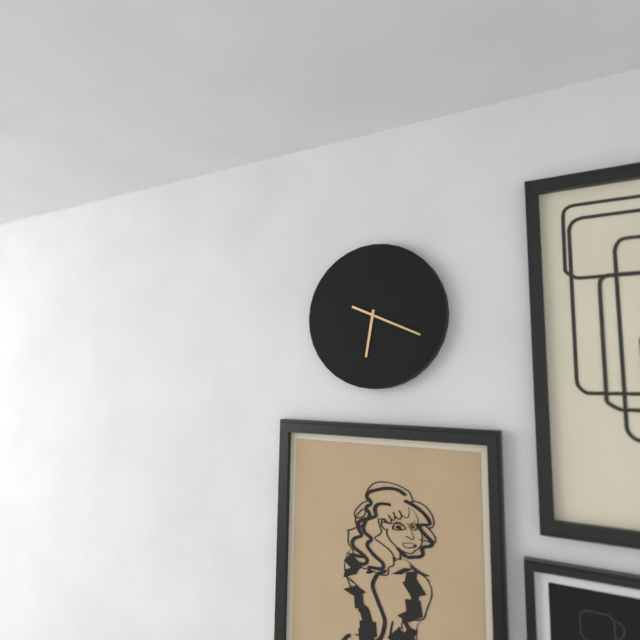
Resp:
**6:19**
